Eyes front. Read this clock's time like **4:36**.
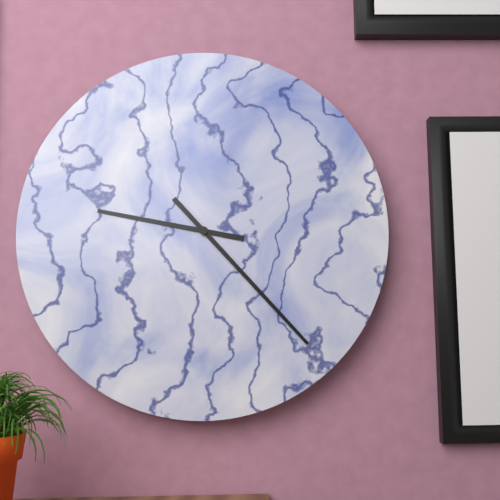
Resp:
**9:23**
